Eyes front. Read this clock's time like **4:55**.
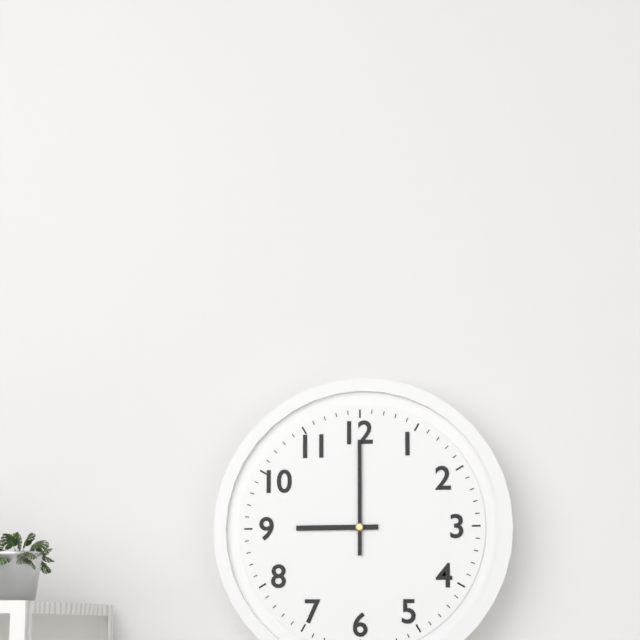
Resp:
**9:00**
